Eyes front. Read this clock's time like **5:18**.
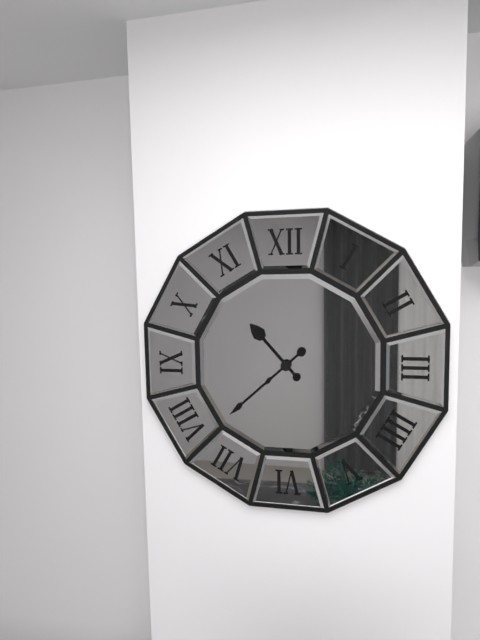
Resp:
**10:38**
